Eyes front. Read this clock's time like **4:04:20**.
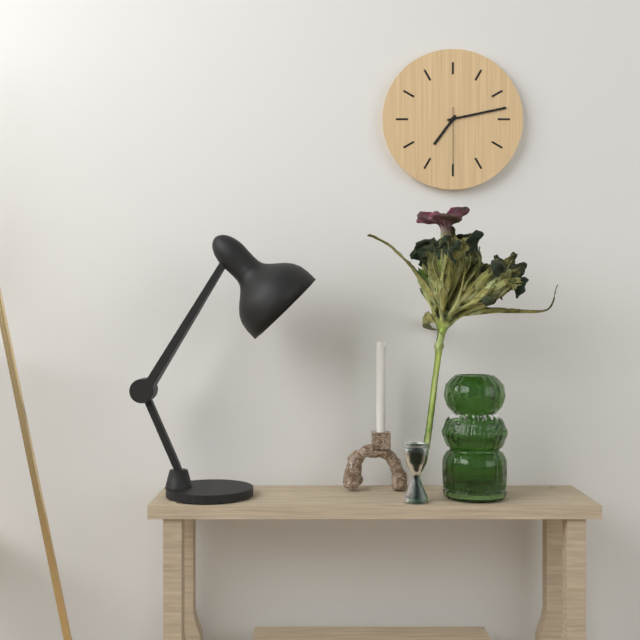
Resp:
**7:13:30**
